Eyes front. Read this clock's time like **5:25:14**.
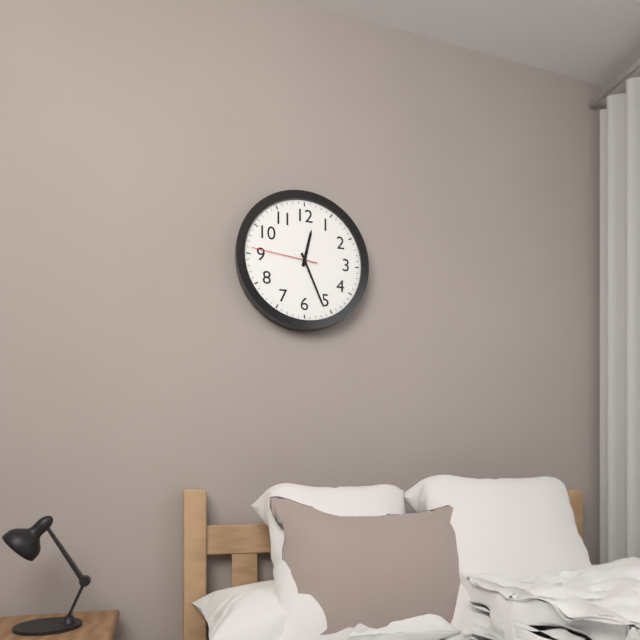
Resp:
**12:26:46**
